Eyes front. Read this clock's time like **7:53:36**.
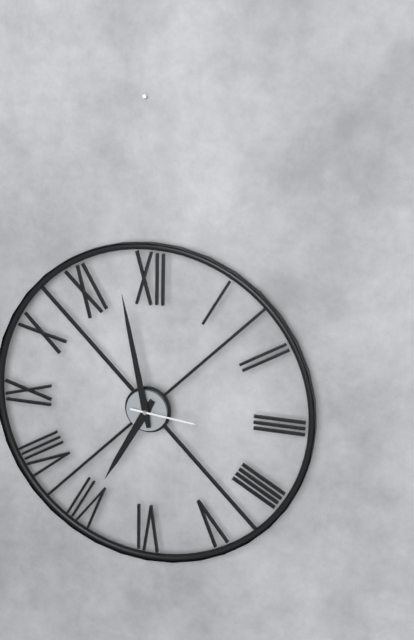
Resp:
**6:58:16**
